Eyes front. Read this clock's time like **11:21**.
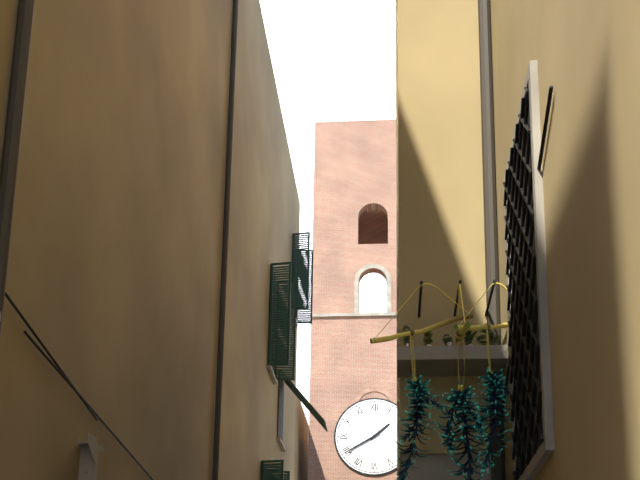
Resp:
**1:40**
